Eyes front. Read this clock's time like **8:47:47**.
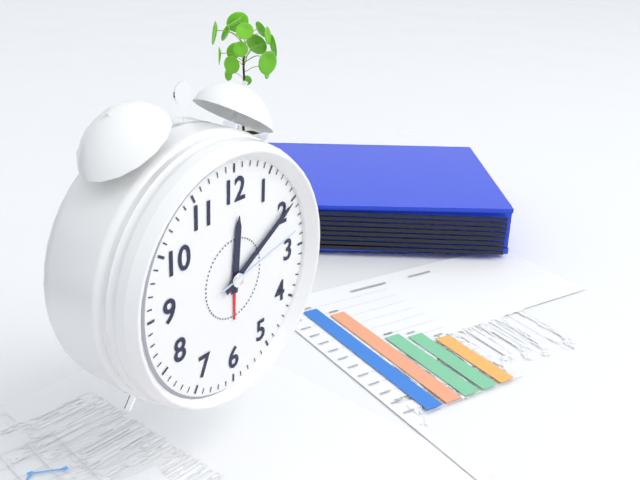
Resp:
**12:10:13**
